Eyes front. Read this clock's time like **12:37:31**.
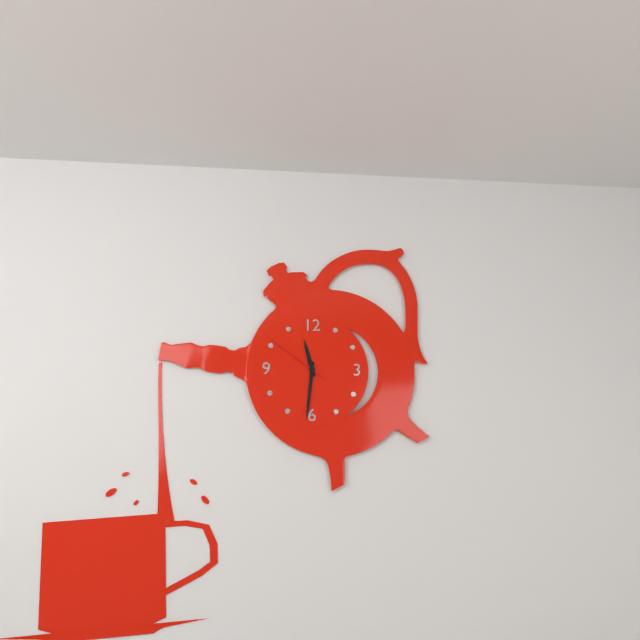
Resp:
**11:31:51**
